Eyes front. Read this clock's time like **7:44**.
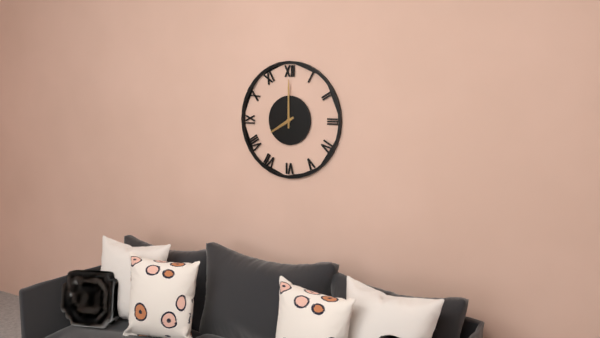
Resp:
**8:00**
